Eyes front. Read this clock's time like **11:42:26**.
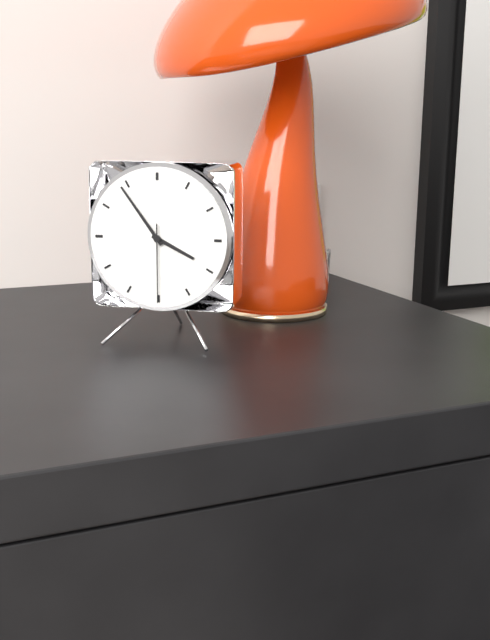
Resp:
**3:54:30**
